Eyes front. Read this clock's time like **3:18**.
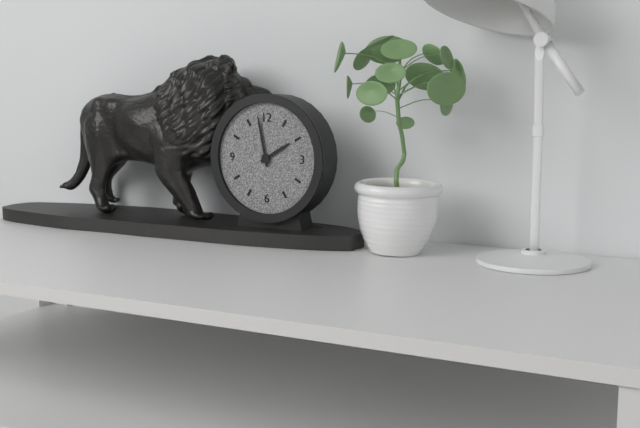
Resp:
**1:58**
